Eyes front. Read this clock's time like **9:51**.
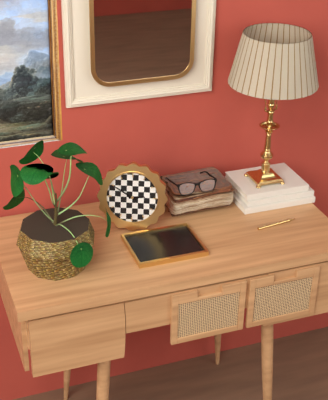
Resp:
**2:50**
